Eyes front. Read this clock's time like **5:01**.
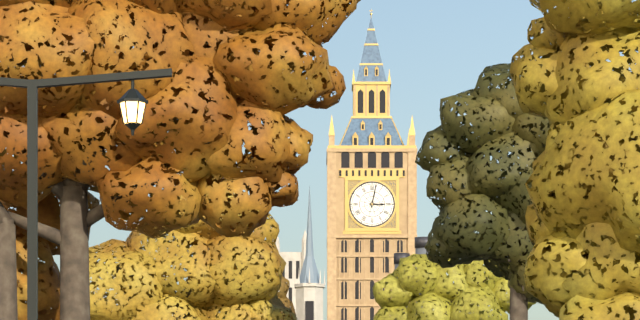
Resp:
**3:02**
